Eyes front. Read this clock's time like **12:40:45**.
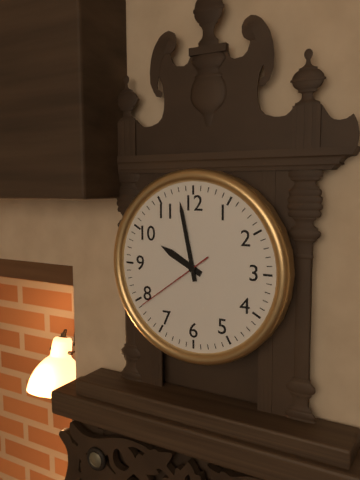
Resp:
**9:58:39**
